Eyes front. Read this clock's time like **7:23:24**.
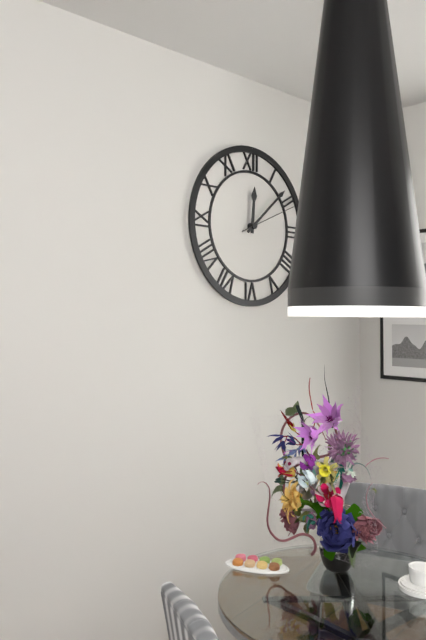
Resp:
**12:08:11**
